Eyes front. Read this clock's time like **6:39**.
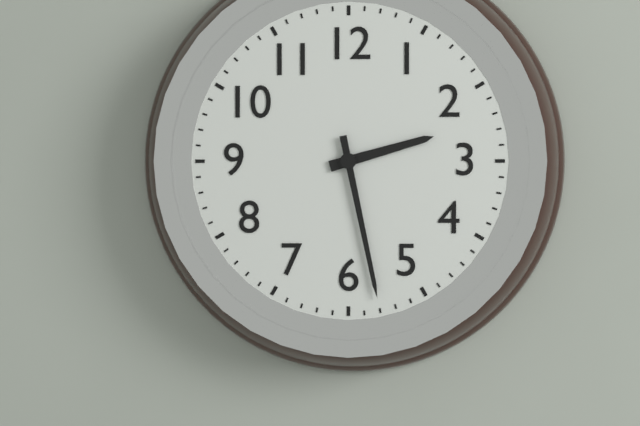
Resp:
**2:28**
